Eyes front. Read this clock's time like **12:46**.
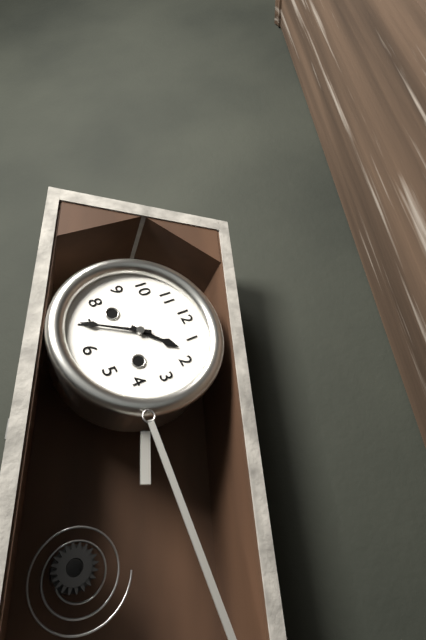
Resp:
**1:35**
